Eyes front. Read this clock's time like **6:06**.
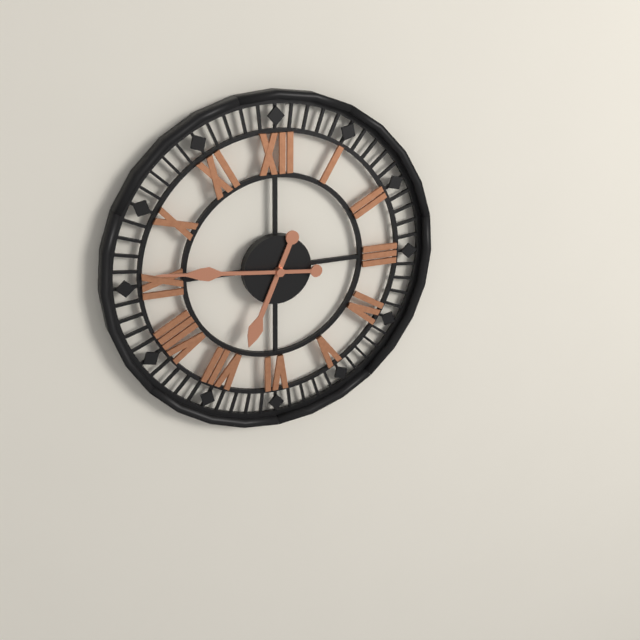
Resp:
**6:46**
